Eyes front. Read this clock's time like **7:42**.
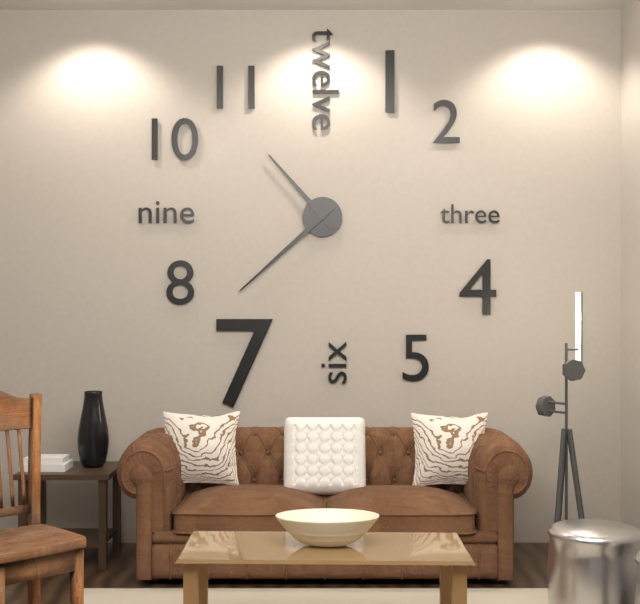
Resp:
**10:38**
